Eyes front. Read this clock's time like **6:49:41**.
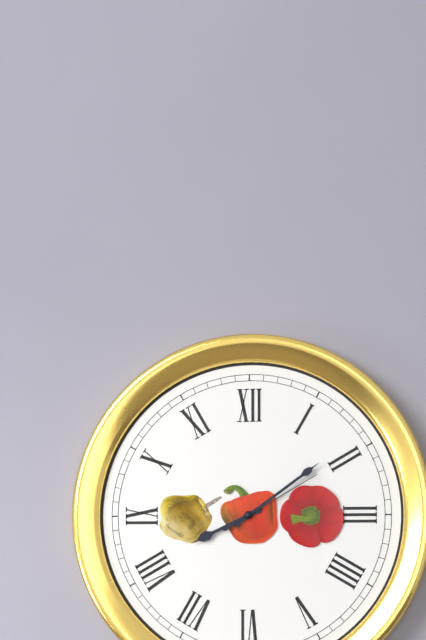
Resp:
**8:09:10**
